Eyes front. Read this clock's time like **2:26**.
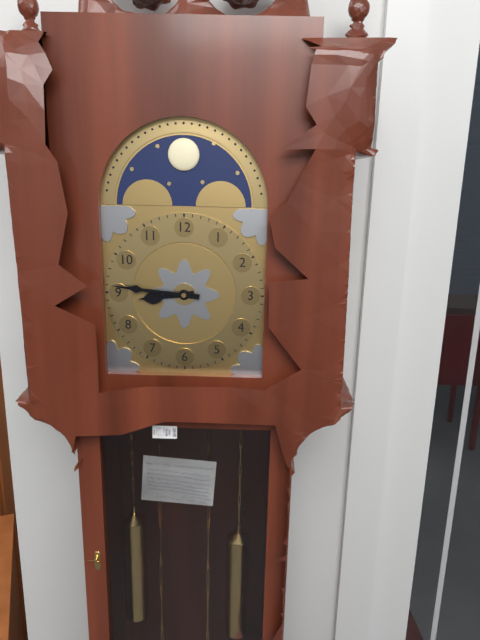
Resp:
**8:46**
